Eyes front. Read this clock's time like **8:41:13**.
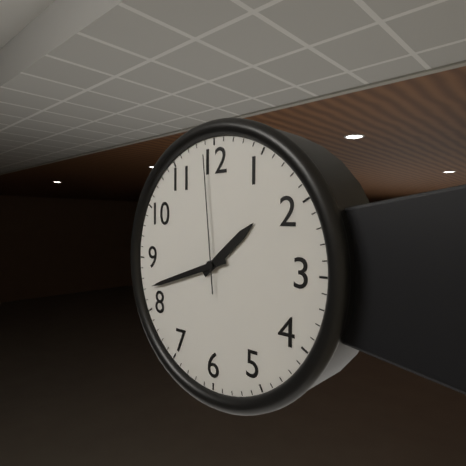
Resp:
**1:42:59**
